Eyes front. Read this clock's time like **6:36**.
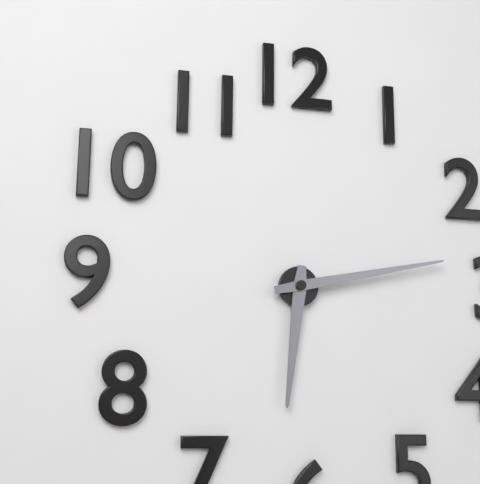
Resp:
**6:13**
